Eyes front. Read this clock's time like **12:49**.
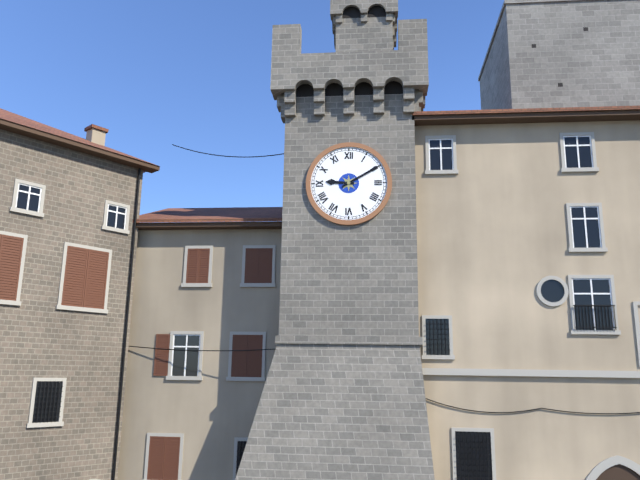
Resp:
**9:10**
